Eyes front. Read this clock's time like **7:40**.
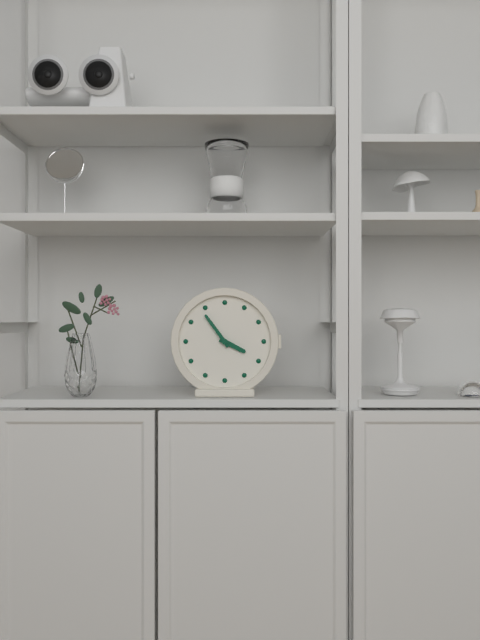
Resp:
**3:54**
